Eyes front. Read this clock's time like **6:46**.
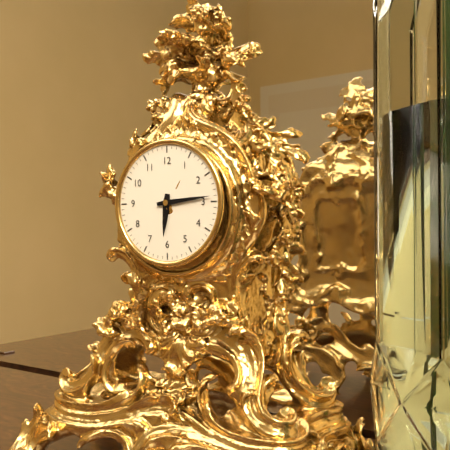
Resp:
**6:14**
